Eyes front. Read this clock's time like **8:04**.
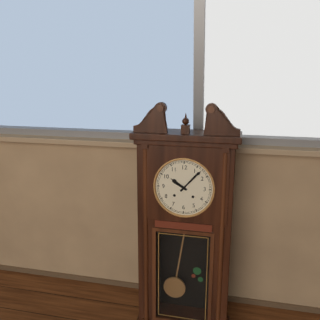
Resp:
**10:07**
